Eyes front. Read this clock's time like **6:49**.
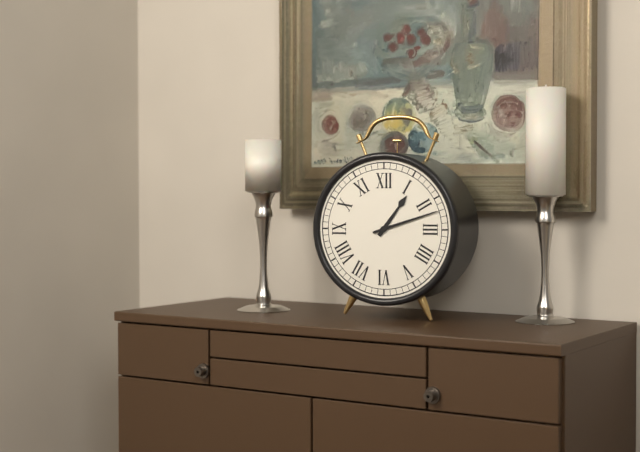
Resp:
**1:12**
